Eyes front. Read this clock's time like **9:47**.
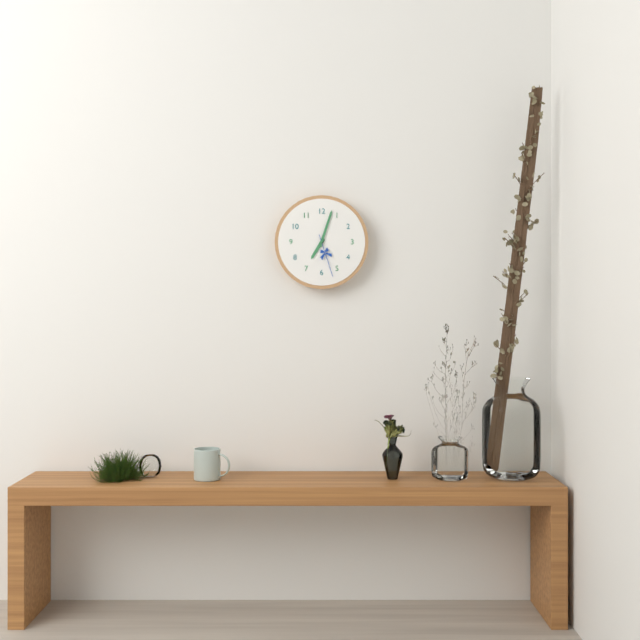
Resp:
**7:03**
